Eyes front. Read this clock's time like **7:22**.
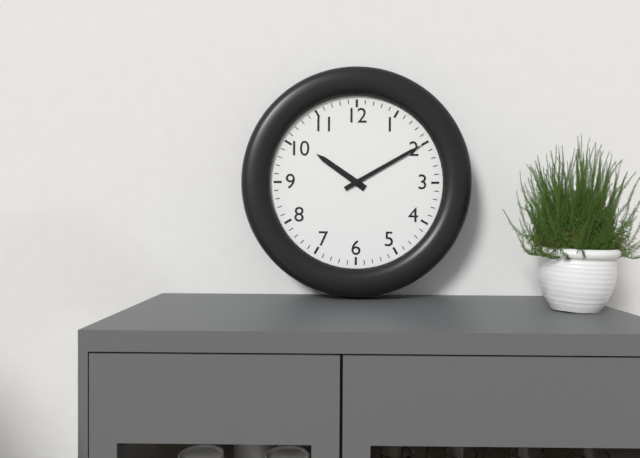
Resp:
**10:10**
